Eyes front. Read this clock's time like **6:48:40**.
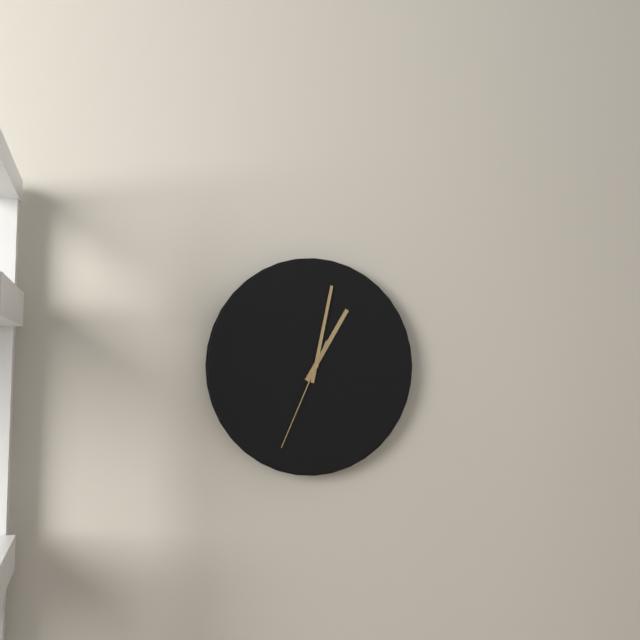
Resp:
**1:02:34**
